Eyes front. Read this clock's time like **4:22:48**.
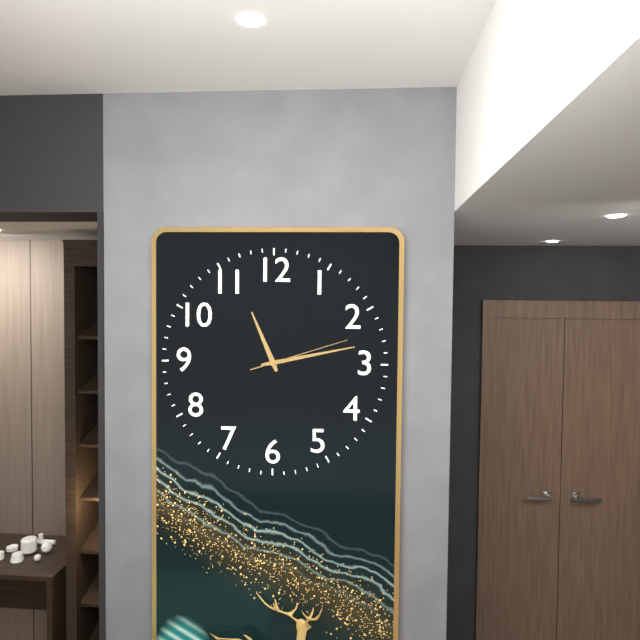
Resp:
**11:13:12**
